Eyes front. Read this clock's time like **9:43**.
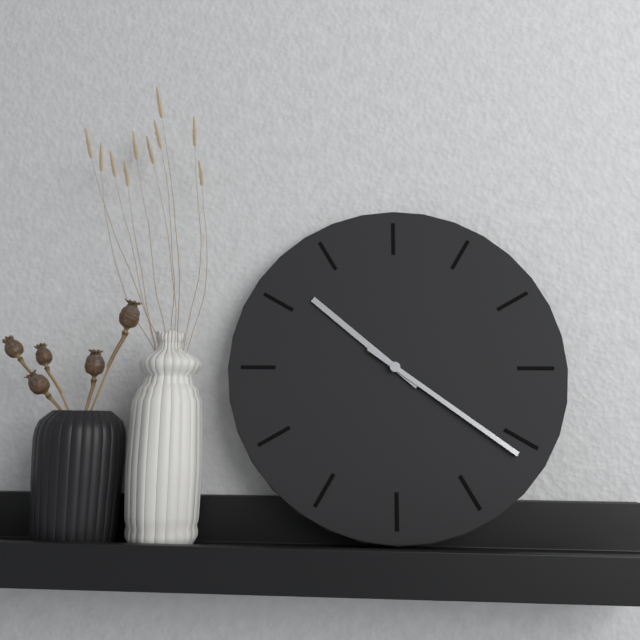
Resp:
**10:21**
